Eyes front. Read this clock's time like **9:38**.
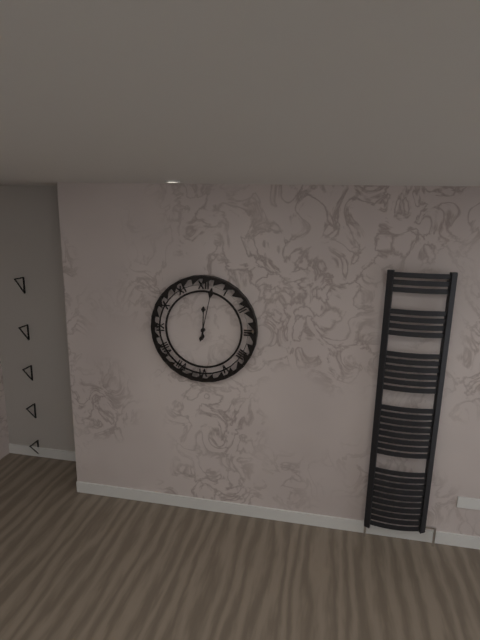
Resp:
**12:02**
